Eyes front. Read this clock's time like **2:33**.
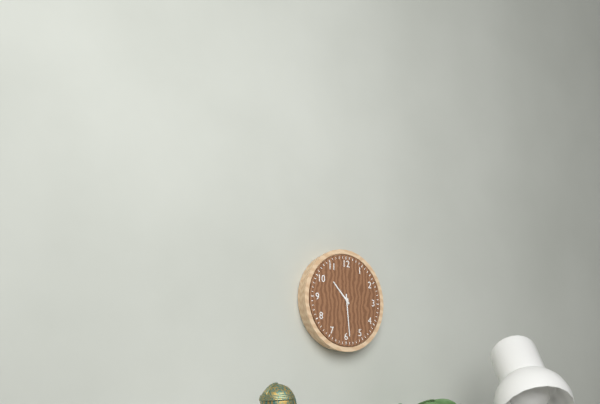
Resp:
**10:29**
